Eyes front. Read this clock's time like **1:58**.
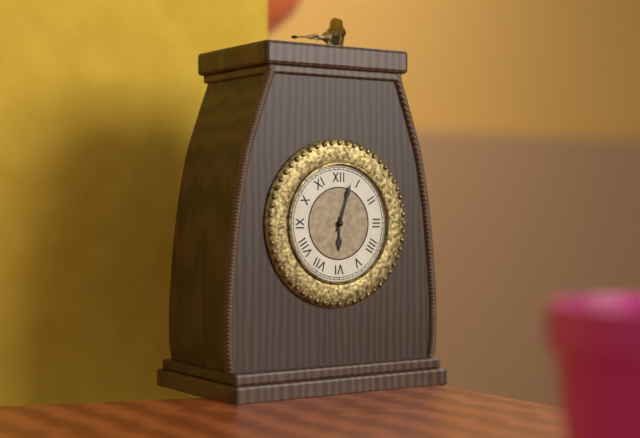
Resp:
**6:03**
